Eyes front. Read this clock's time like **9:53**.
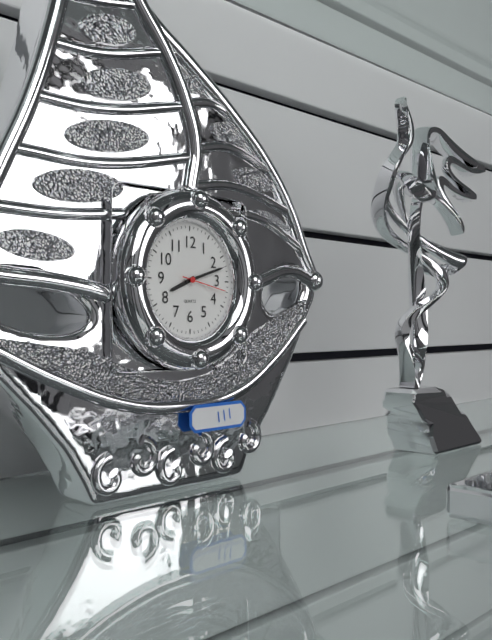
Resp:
**8:12**
